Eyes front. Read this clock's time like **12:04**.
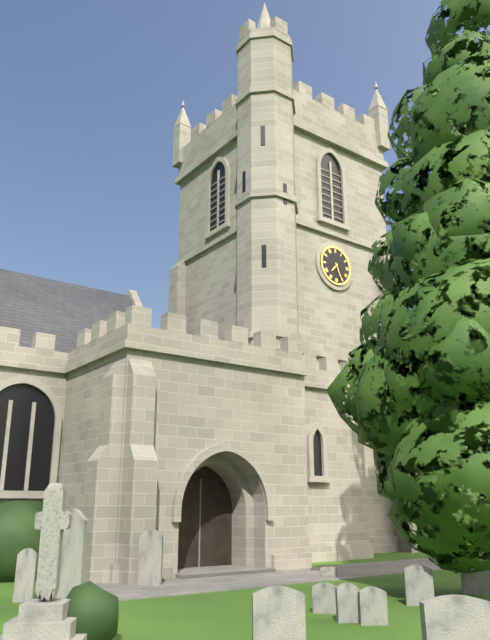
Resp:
**7:26**
